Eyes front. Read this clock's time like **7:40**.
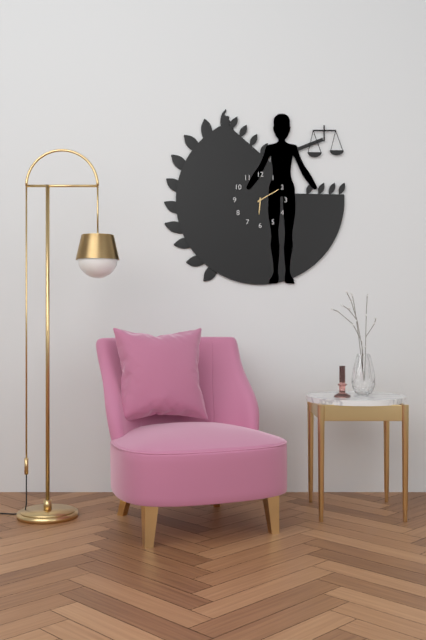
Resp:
**6:10**
